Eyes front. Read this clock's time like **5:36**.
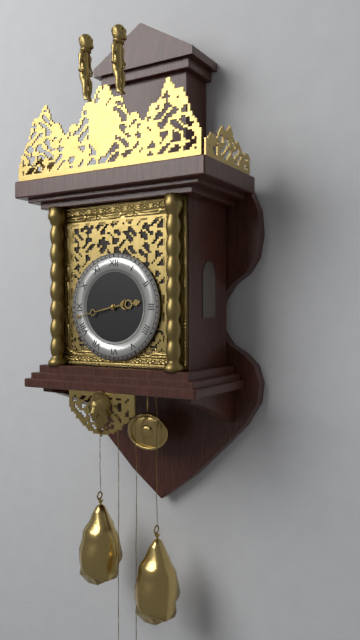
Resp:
**2:43**
